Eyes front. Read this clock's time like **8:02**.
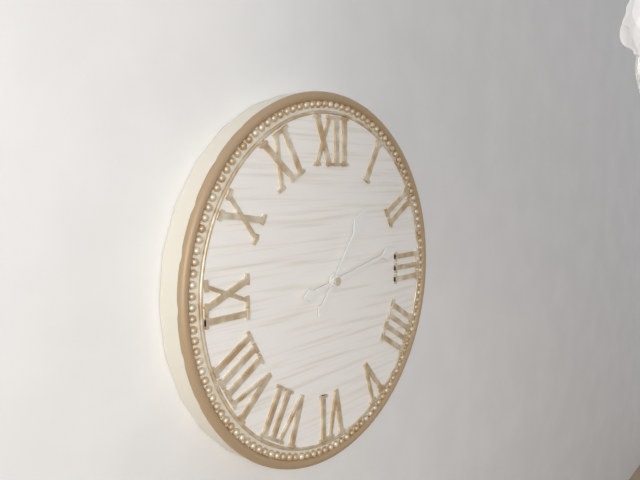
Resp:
**1:13**
